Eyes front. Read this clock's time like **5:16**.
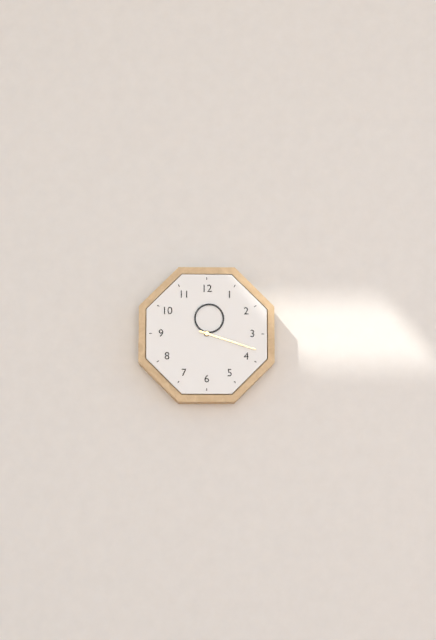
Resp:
**12:18**
